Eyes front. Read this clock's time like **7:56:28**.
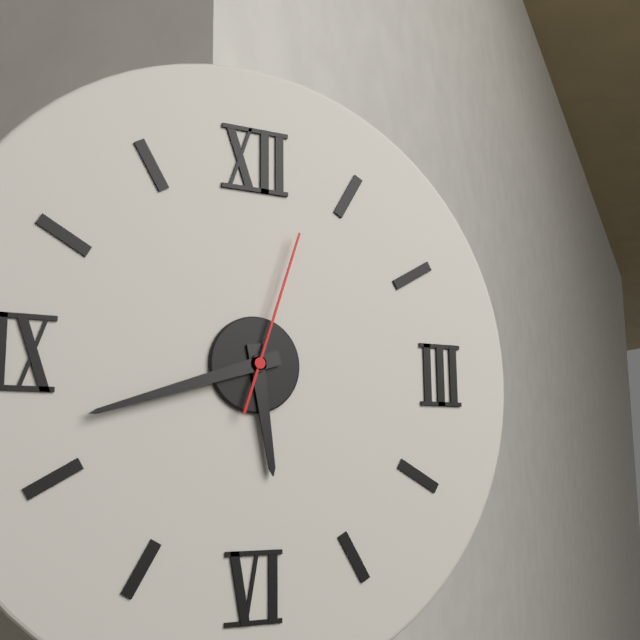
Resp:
**5:42:03**
